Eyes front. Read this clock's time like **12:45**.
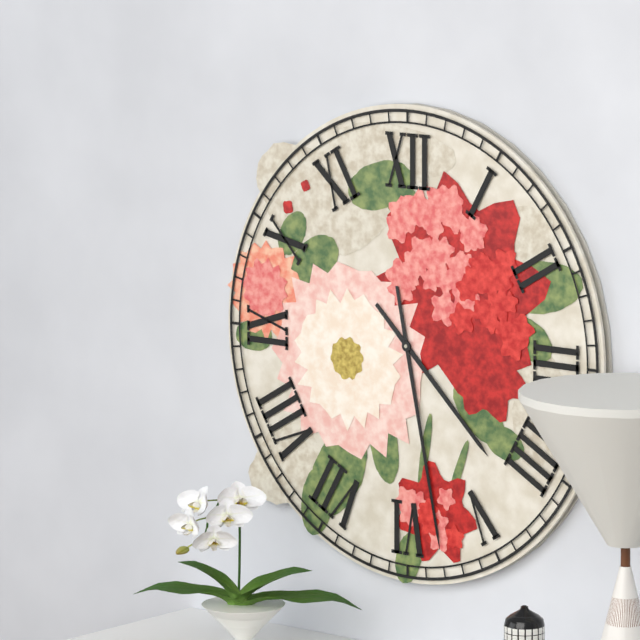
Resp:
**4:28**
